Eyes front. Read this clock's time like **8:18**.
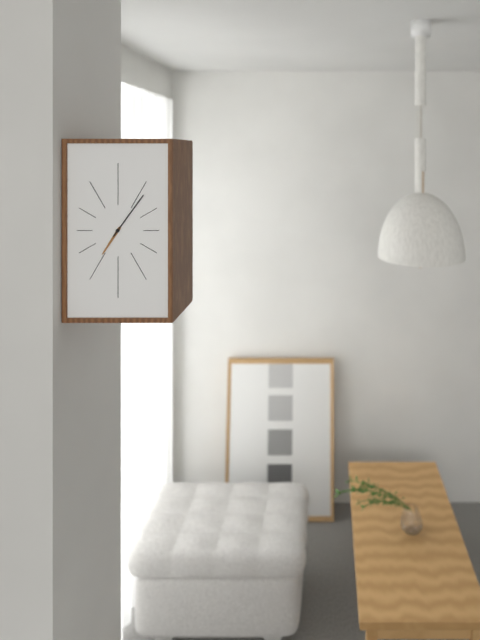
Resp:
**7:06**
